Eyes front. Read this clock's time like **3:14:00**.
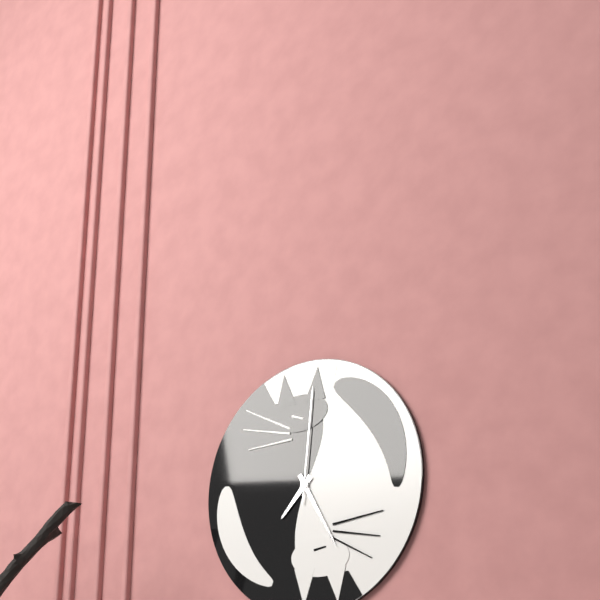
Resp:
**7:25:01**
